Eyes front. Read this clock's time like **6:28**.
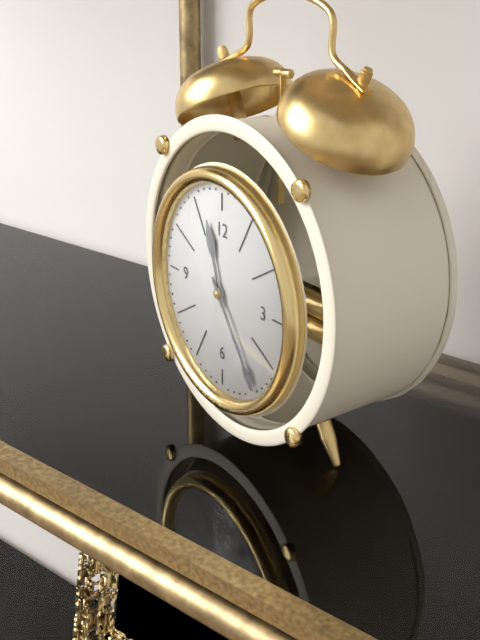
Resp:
**11:24**
